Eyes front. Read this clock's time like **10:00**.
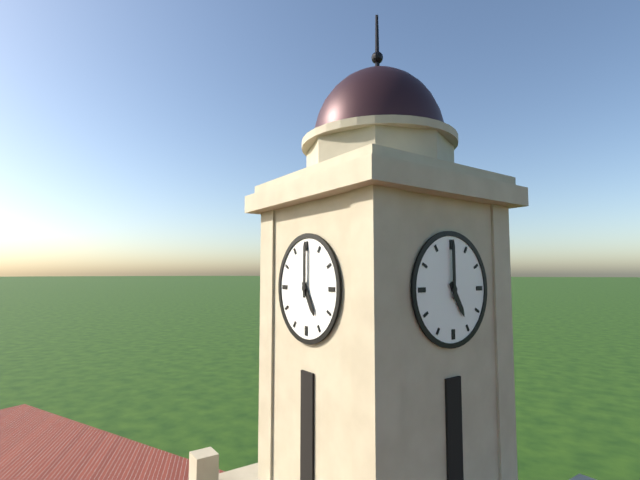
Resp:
**5:00**
